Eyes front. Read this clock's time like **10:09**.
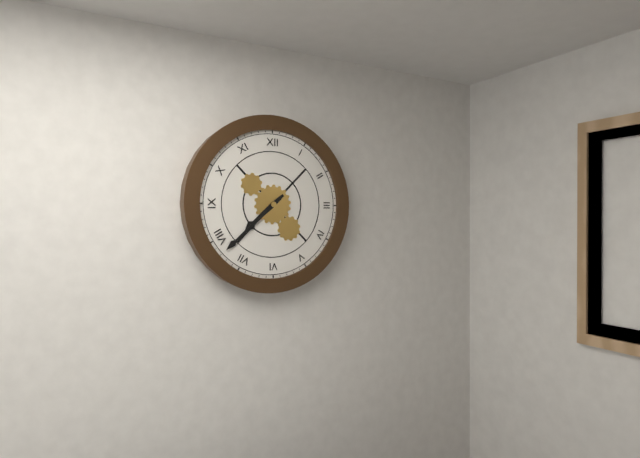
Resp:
**7:38**
